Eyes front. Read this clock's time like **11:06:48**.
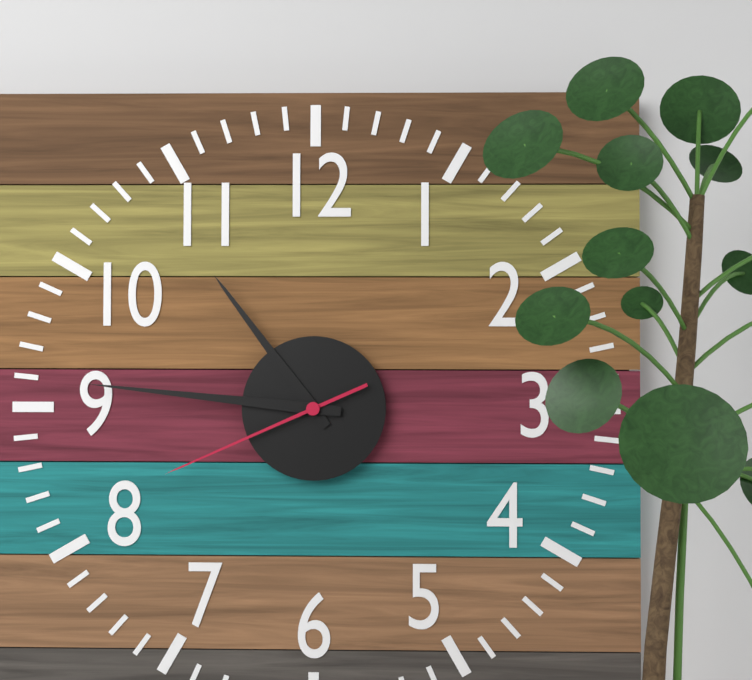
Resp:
**10:46:41**
